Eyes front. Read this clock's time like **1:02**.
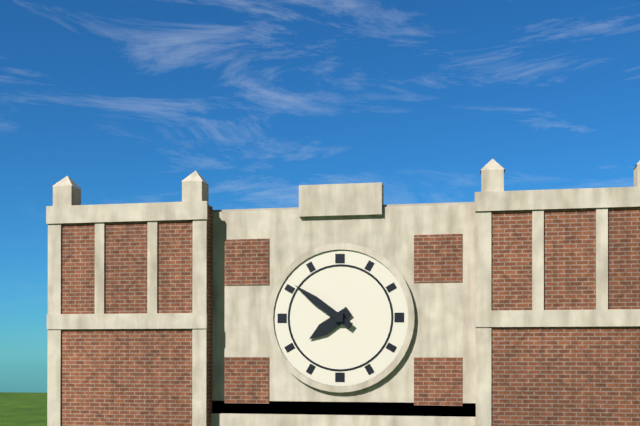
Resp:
**7:51**
